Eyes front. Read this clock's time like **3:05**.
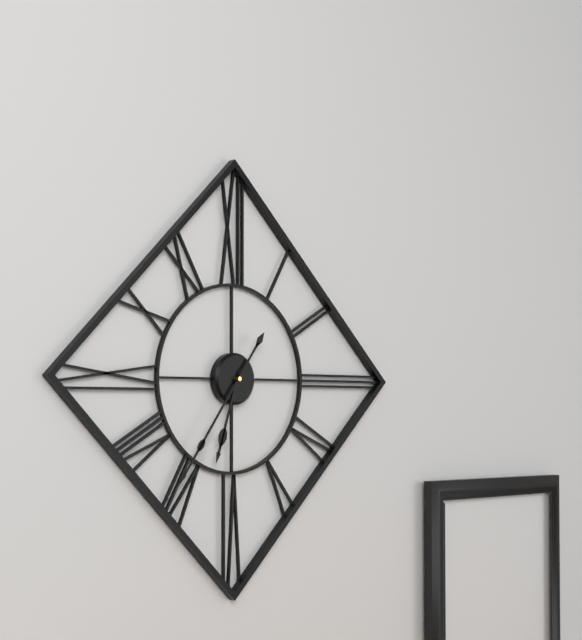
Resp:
**6:36**
